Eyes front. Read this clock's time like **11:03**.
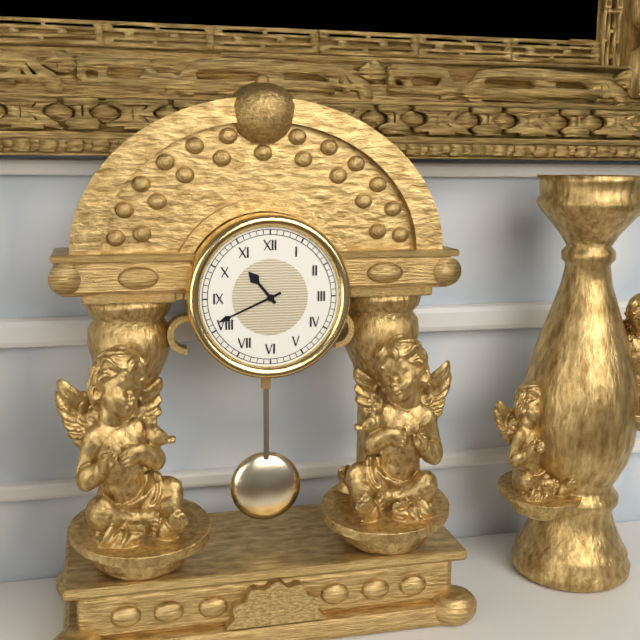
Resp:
**10:41**
